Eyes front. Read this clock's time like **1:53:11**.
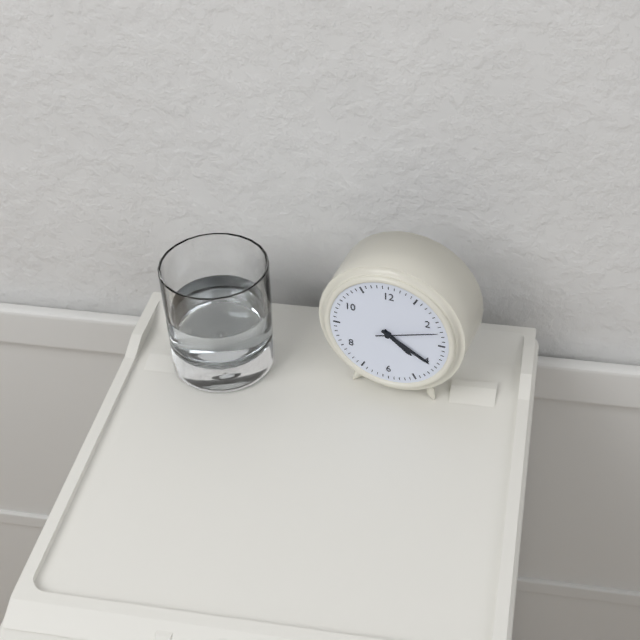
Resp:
**4:20:12**
